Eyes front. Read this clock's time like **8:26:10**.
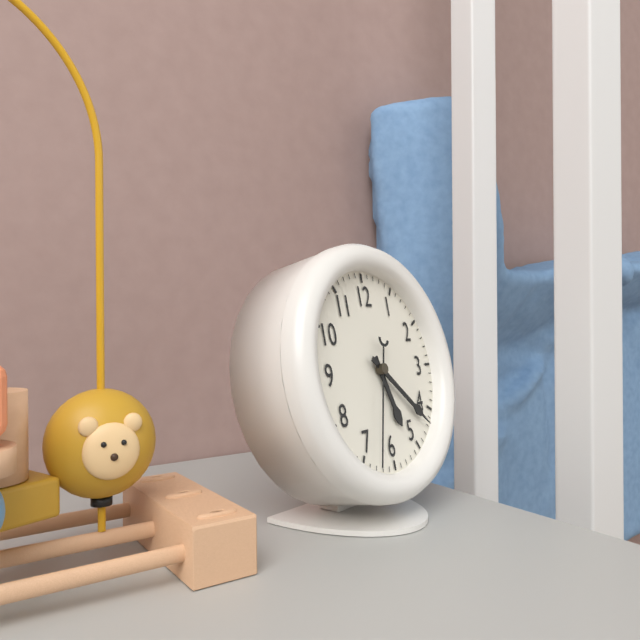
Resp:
**5:22:33**
